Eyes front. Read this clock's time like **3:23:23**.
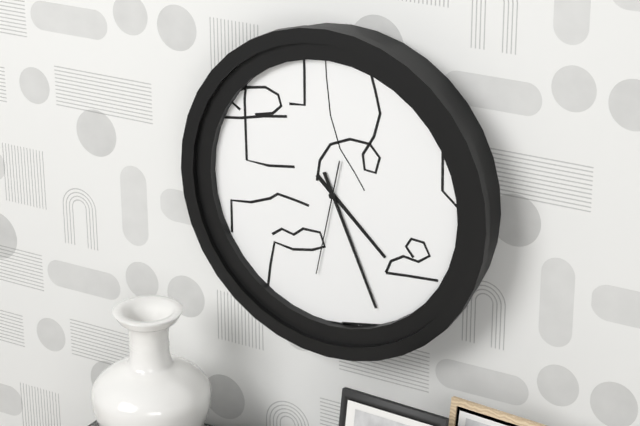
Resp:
**4:26:32**
